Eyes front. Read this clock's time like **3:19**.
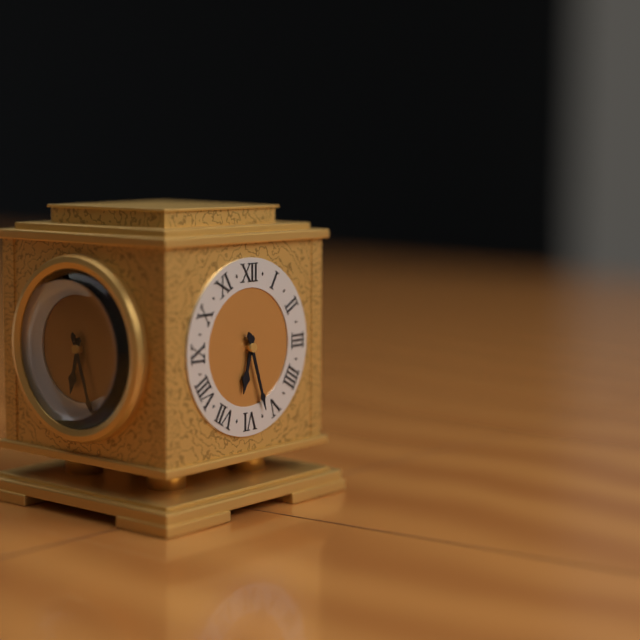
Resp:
**6:27**
